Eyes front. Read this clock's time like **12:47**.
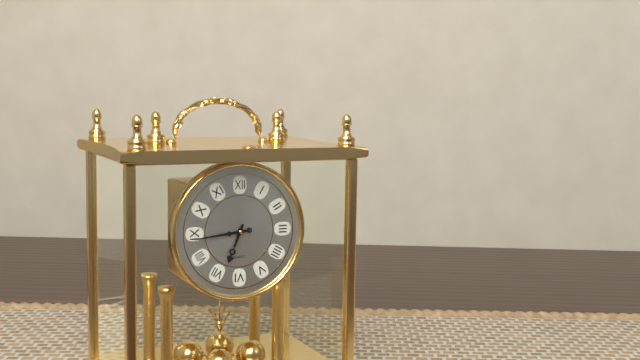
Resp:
**6:44**
